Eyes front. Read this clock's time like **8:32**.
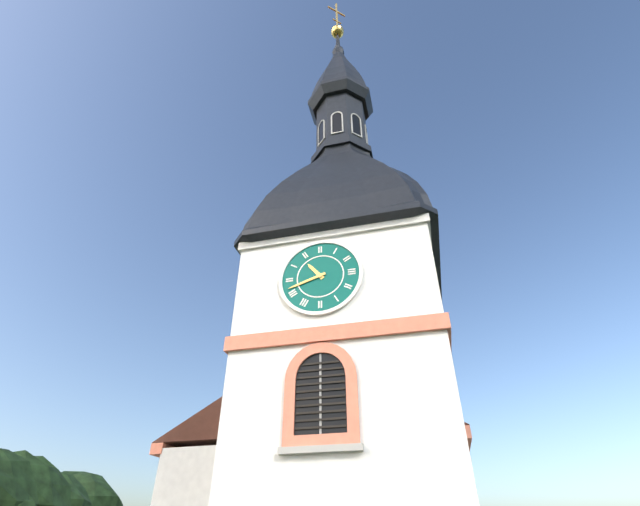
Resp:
**10:42**
